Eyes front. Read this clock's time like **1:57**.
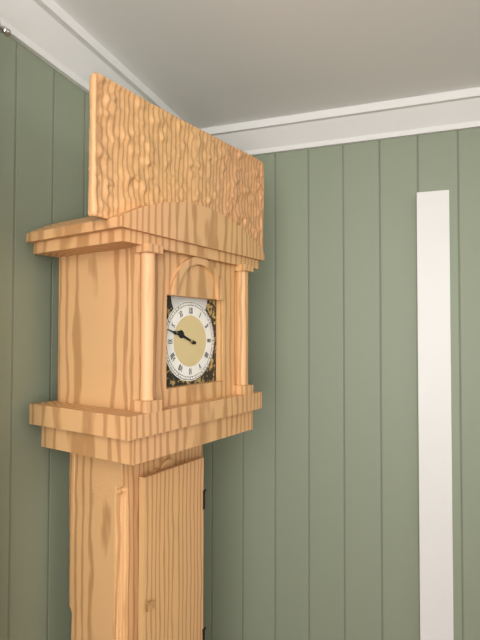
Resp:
**9:48**
